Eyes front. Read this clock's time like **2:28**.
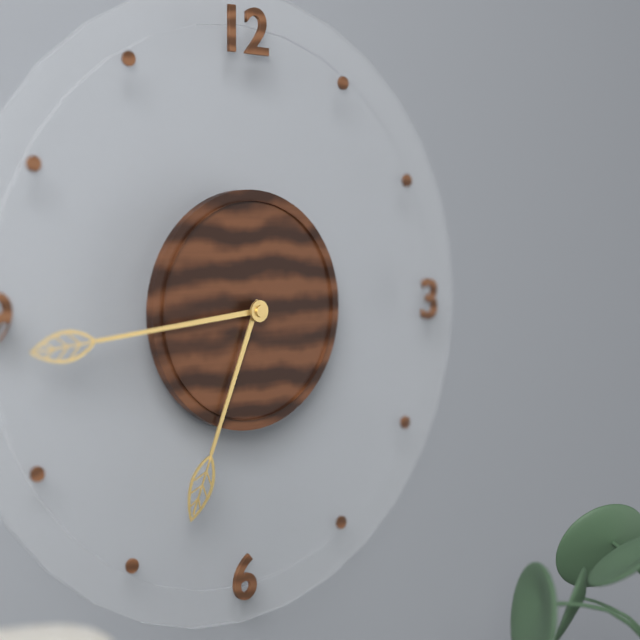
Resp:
**6:44**
